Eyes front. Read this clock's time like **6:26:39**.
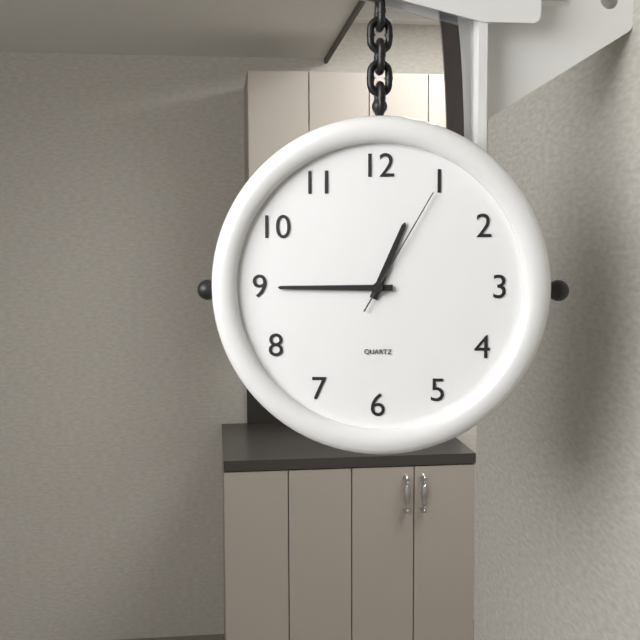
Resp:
**12:45:05**
